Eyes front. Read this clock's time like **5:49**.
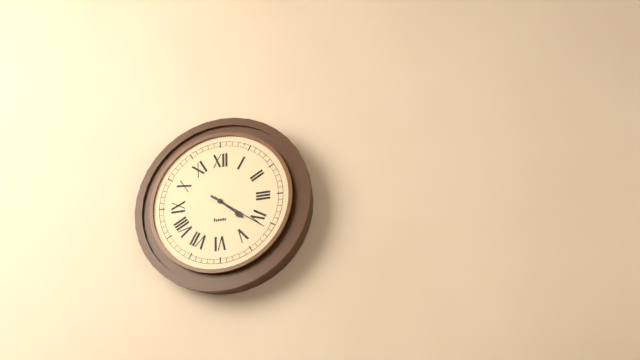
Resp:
**4:21**
